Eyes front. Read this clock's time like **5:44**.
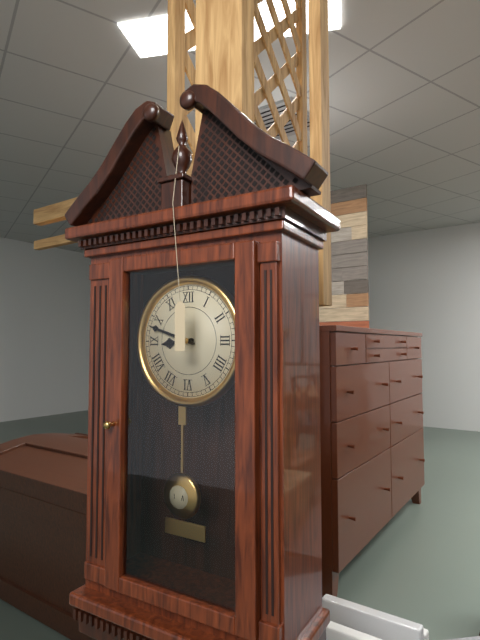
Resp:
**8:48**
